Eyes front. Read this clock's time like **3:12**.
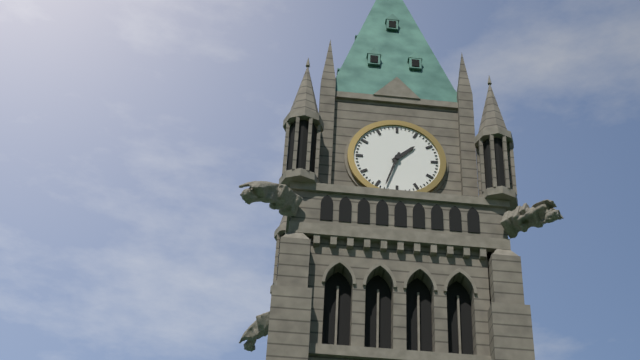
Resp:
**1:33**
